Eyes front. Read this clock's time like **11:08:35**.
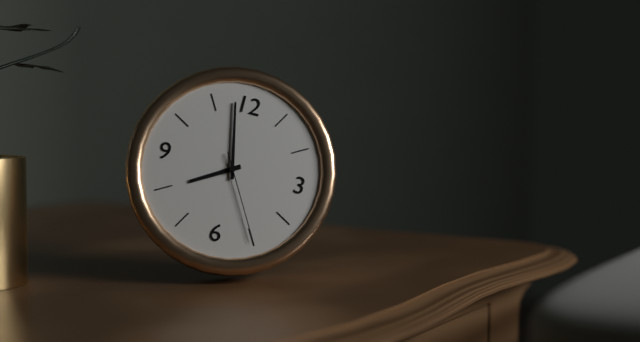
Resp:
**7:58:25**
